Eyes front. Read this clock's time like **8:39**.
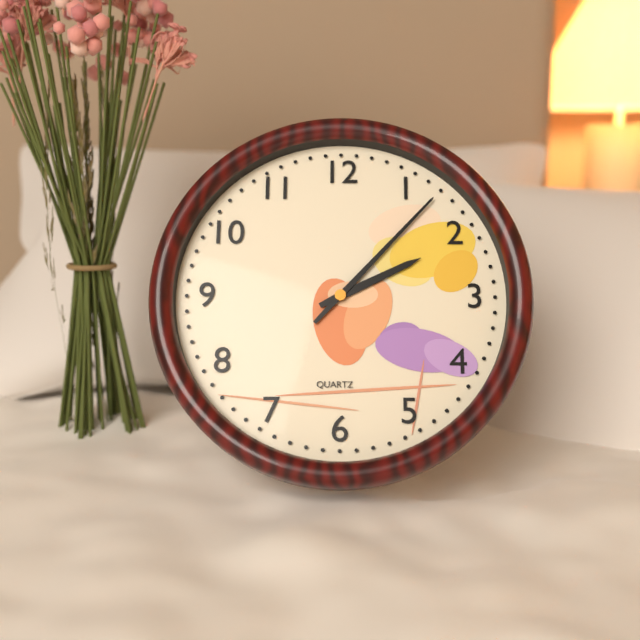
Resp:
**2:07**
